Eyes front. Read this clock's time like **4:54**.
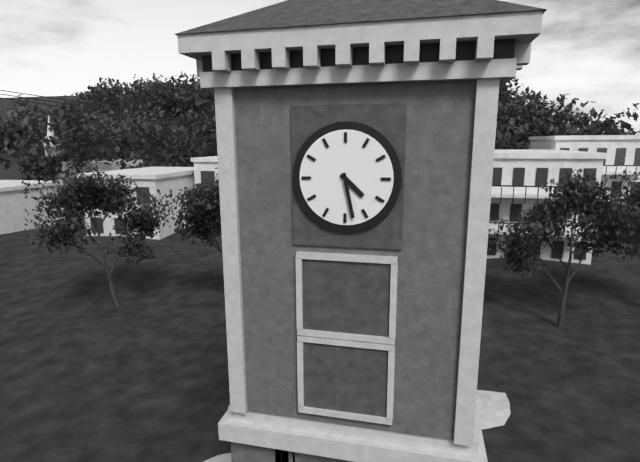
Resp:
**4:28**
